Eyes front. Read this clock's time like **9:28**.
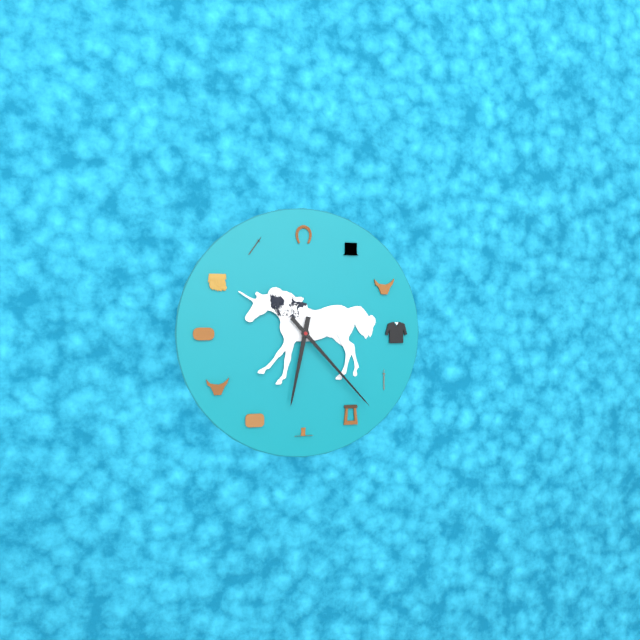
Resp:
**6:23**
